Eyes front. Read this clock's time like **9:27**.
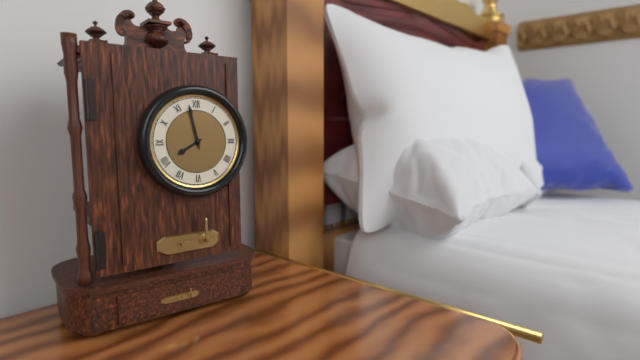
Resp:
**7:58**
